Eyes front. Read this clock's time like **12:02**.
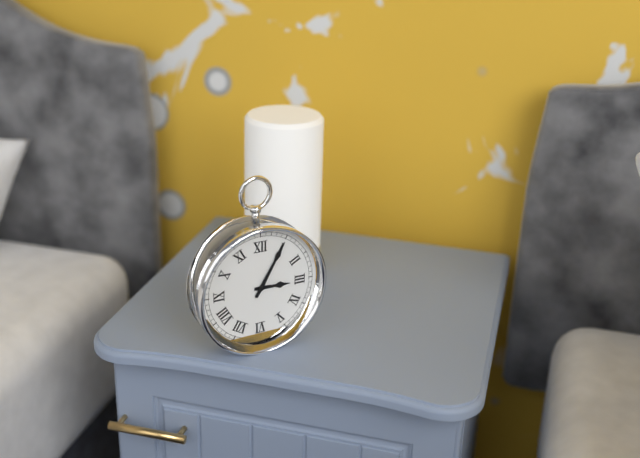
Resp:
**3:05**
